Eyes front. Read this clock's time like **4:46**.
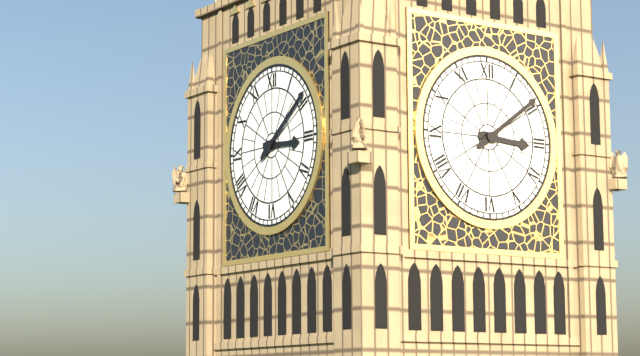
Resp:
**3:09**
